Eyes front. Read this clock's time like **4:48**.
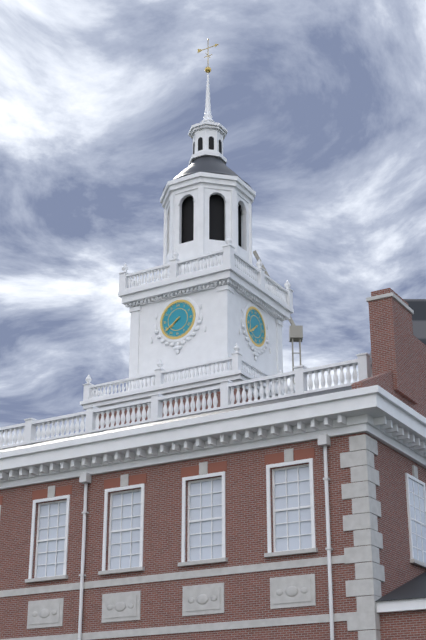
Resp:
**7:39**
